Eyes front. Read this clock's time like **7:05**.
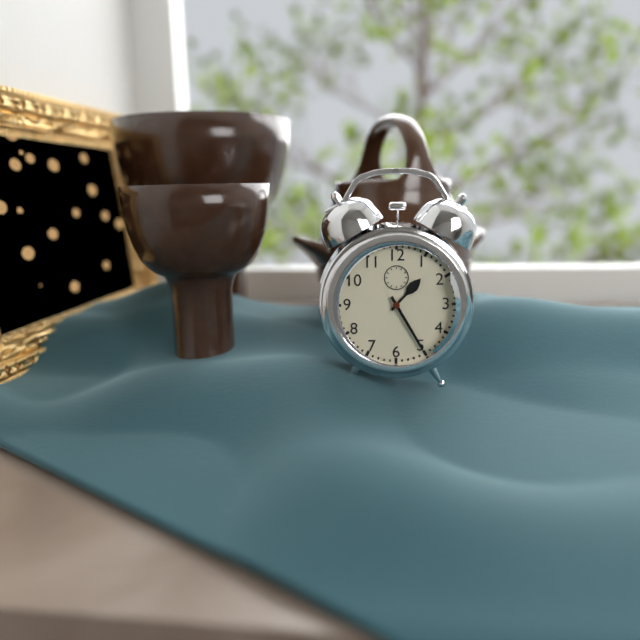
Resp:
**1:25**
